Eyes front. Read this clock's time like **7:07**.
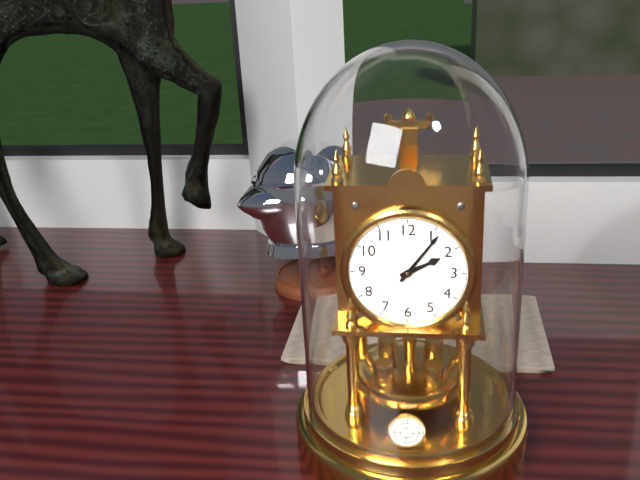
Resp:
**2:06**
